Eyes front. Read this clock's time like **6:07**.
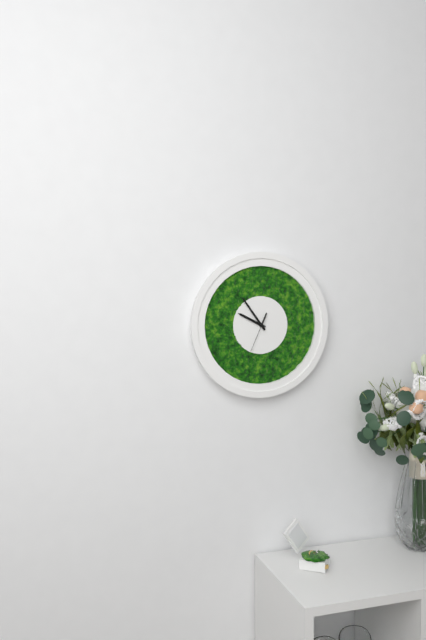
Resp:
**9:54**
